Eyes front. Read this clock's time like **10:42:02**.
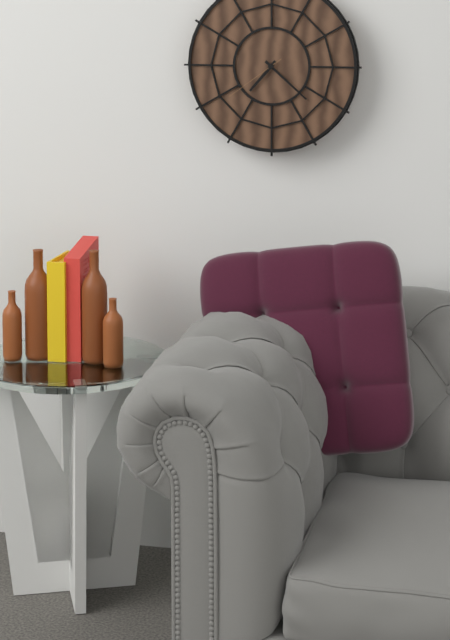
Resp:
**7:22:39**
